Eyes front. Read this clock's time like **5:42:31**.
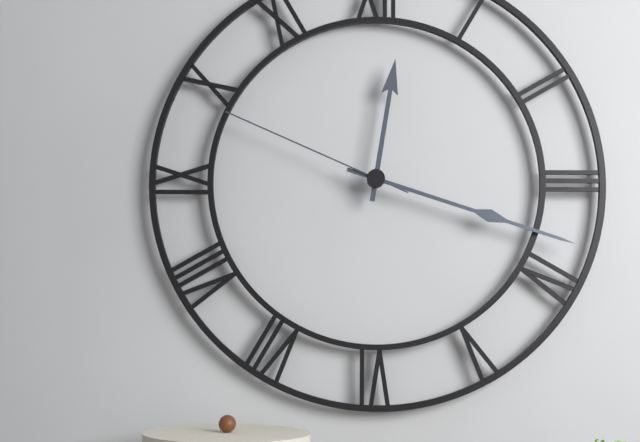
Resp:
**12:18:49**
